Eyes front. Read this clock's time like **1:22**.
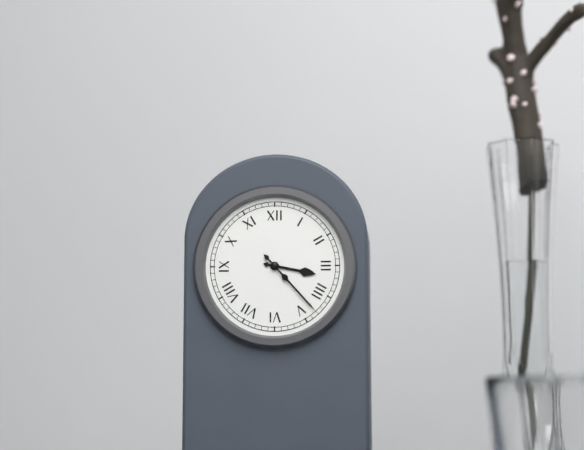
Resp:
**3:23**
